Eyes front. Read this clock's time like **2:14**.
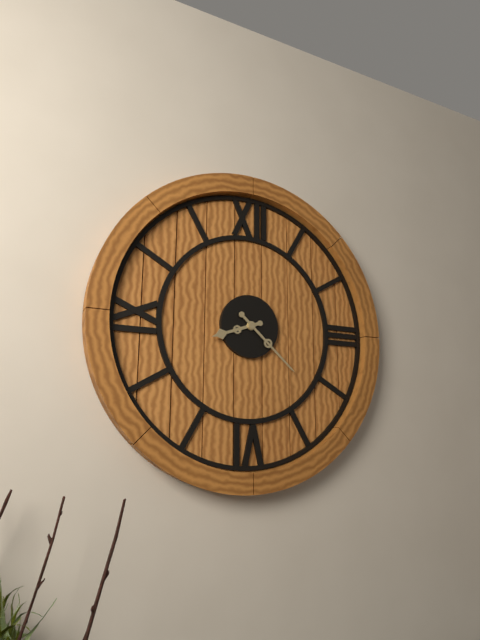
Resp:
**8:22**
